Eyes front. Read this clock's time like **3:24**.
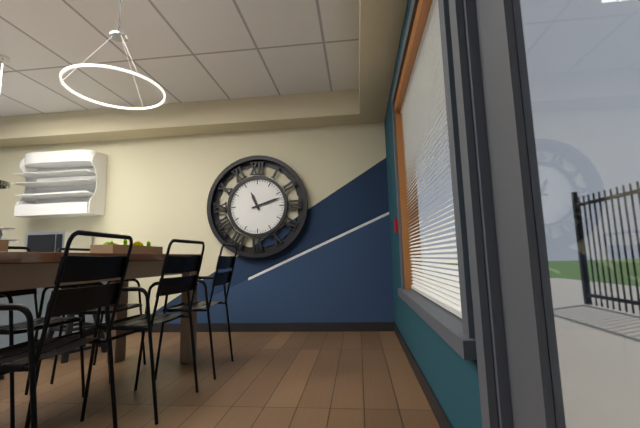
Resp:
**11:12**
